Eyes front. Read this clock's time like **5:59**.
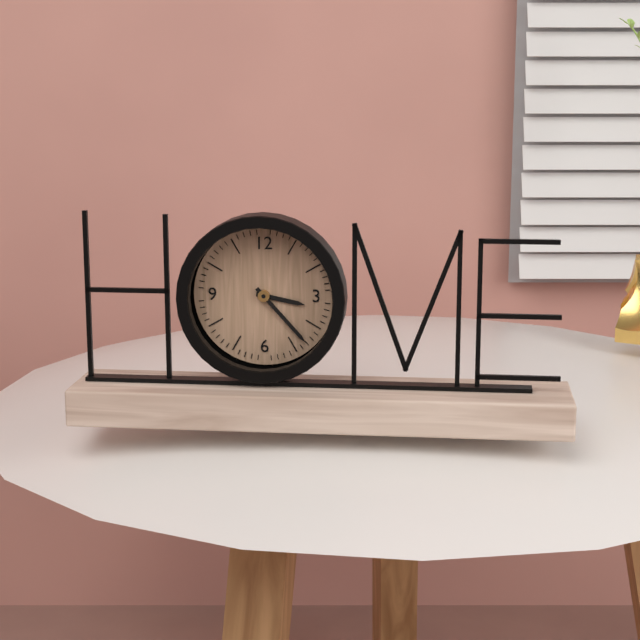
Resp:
**3:23**
